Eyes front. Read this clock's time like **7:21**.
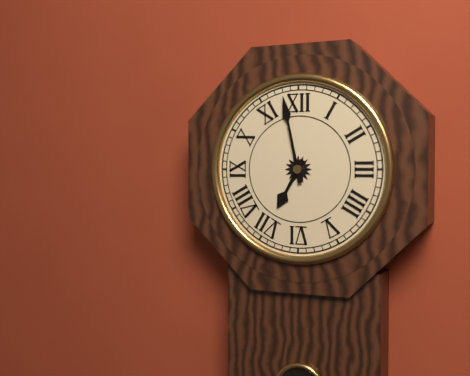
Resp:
**6:58**
